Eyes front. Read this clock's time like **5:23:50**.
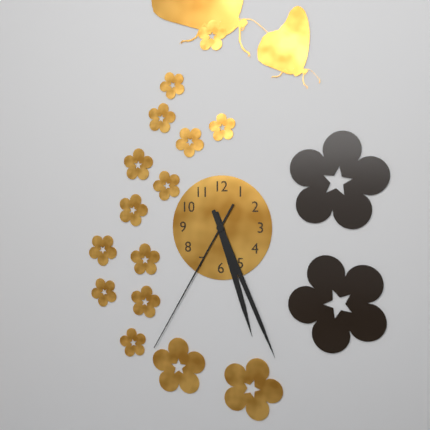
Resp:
**5:26:35**
